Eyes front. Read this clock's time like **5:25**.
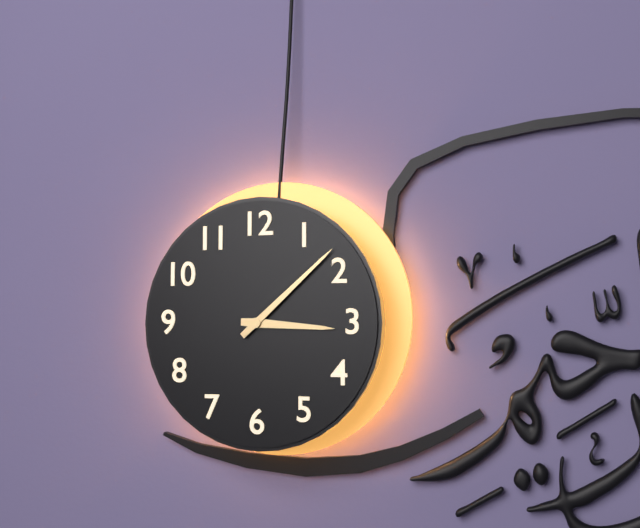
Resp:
**3:08**
